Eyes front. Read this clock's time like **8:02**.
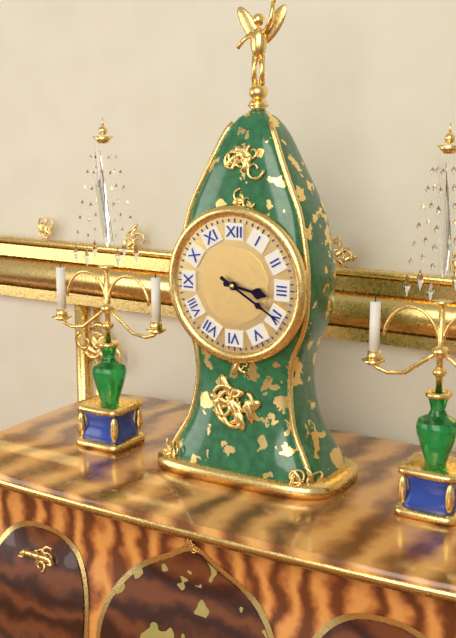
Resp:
**3:20**
